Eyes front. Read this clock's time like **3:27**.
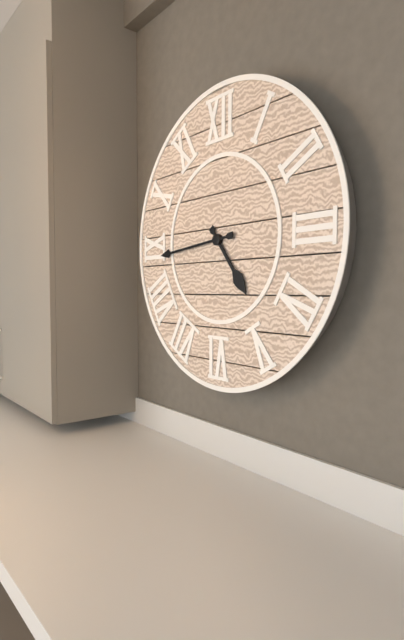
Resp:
**4:44**
